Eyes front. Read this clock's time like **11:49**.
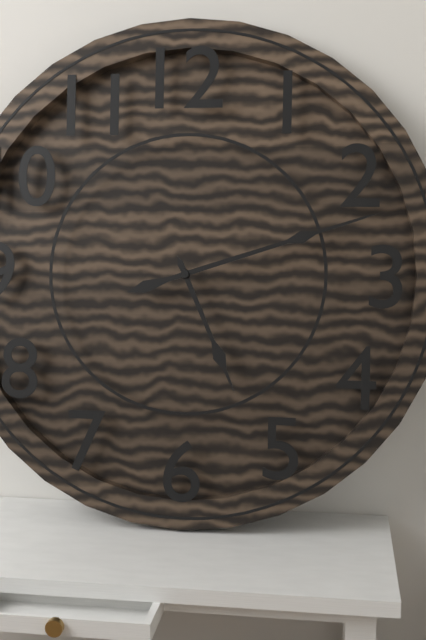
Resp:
**5:12**
